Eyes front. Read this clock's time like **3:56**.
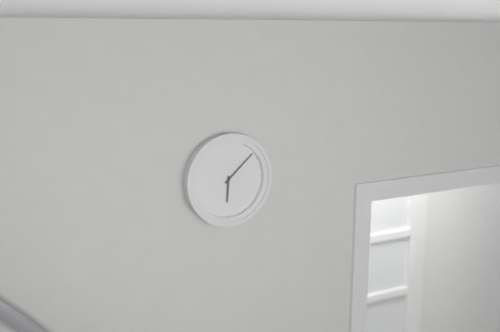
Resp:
**6:08**
